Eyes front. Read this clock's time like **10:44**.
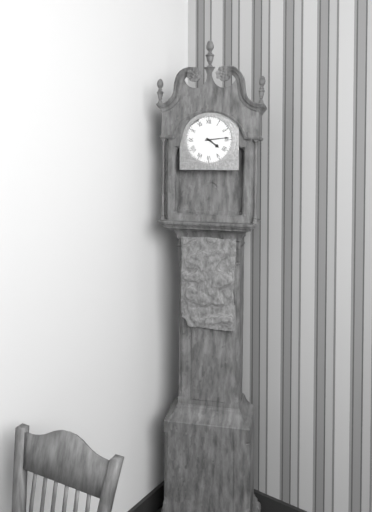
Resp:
**4:14**
